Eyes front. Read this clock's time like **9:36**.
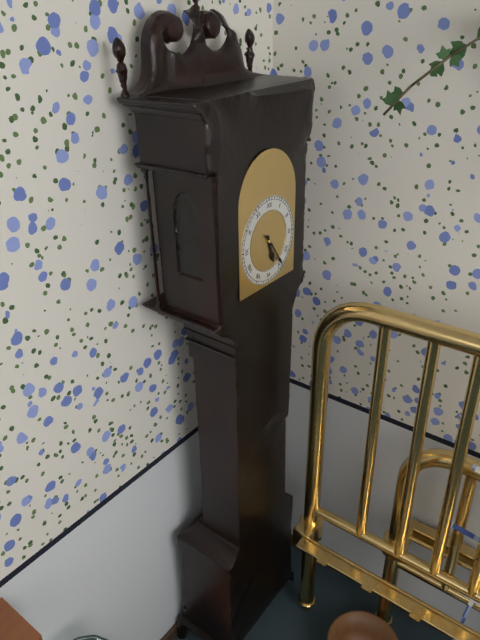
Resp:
**5:24**
